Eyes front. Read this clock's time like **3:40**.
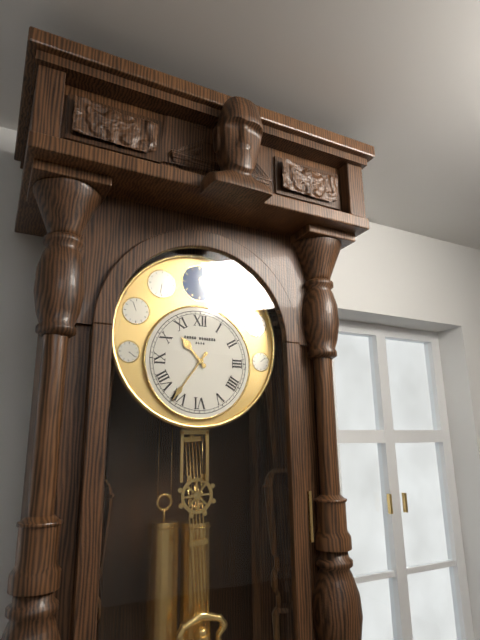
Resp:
**10:36**
